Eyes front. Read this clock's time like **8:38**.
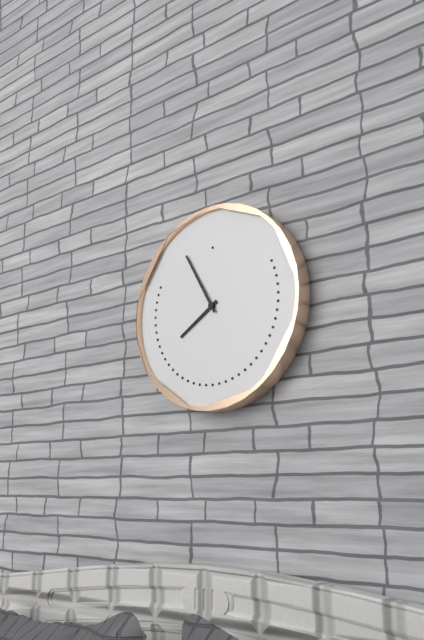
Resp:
**7:55**
